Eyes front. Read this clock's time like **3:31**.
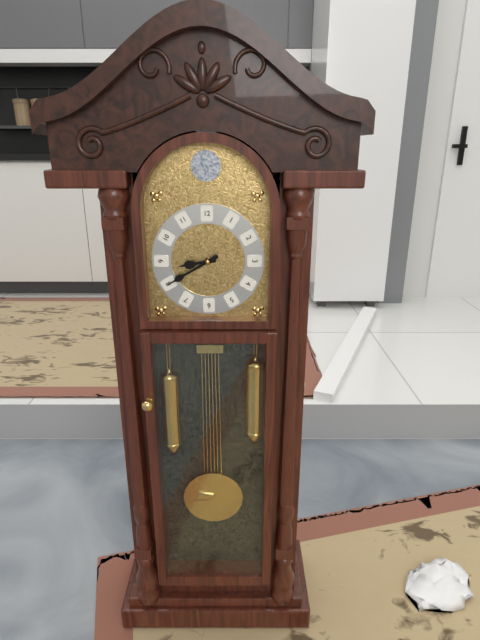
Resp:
**8:40**
